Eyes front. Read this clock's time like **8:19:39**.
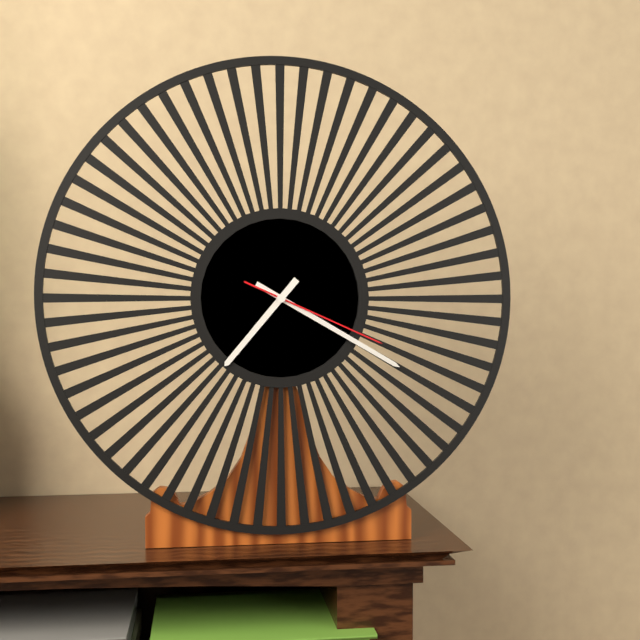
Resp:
**7:20:19**
